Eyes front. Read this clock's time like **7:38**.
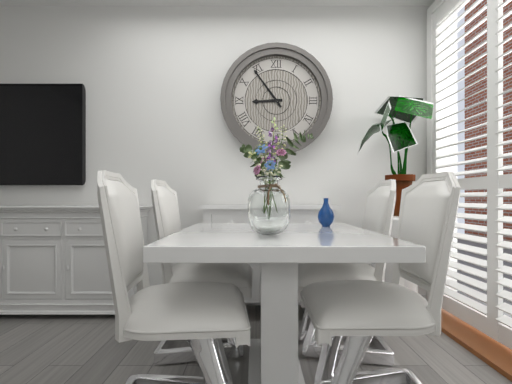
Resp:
**8:54**
